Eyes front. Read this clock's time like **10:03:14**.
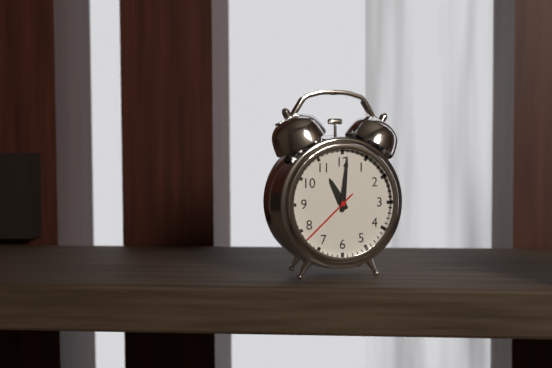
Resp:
**11:01:38**
